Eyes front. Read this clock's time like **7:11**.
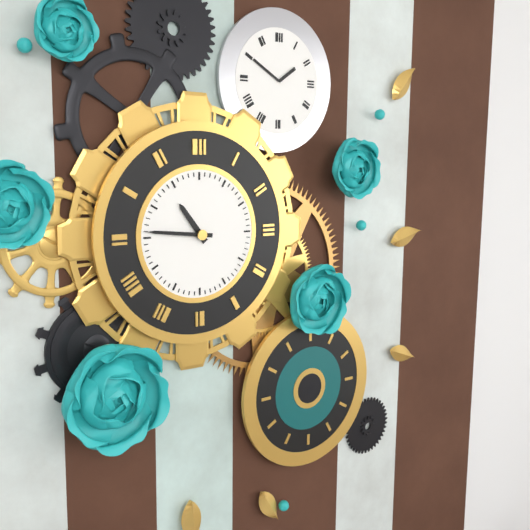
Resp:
**10:46**
